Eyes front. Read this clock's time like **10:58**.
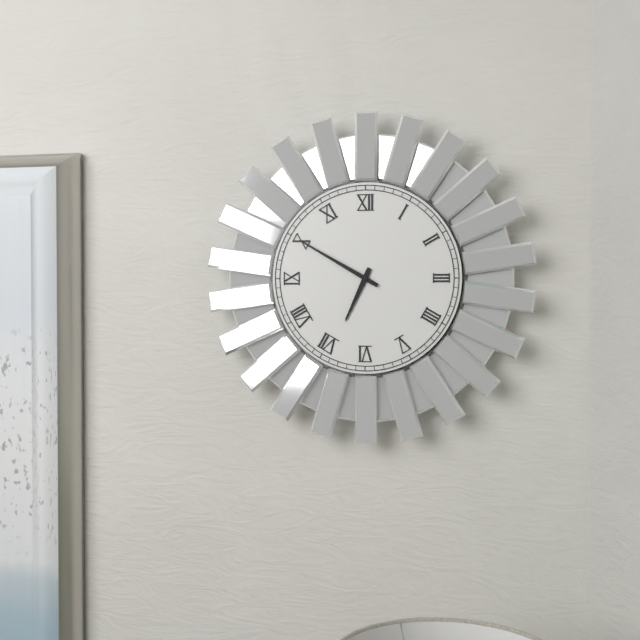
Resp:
**6:50**
